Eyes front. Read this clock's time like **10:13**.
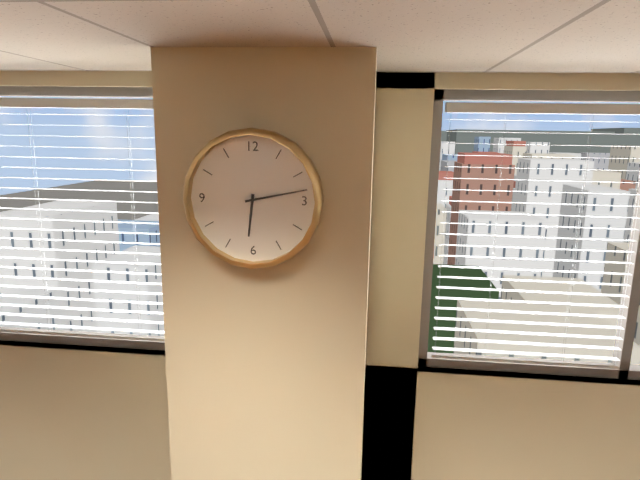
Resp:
**6:13**
